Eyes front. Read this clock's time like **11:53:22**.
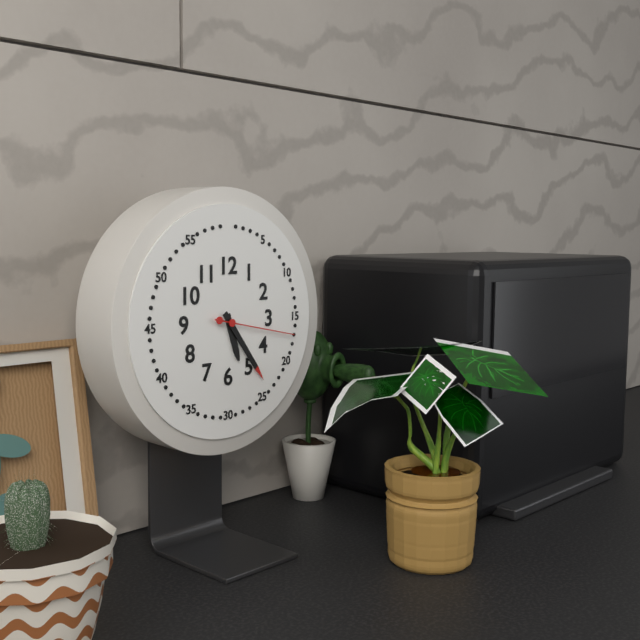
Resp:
**5:24:17**
